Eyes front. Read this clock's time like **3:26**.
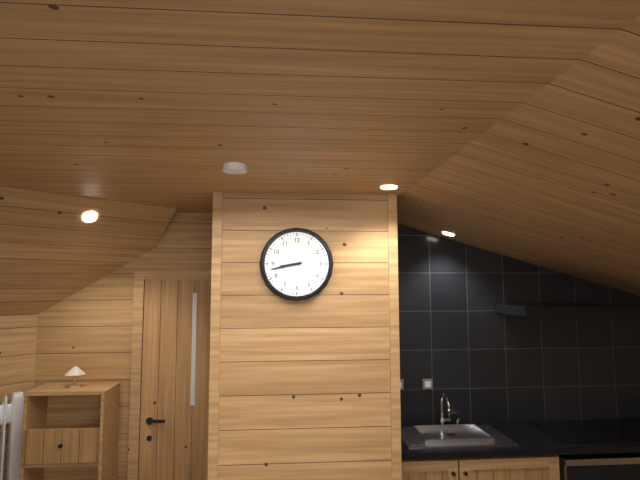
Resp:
**8:43**
